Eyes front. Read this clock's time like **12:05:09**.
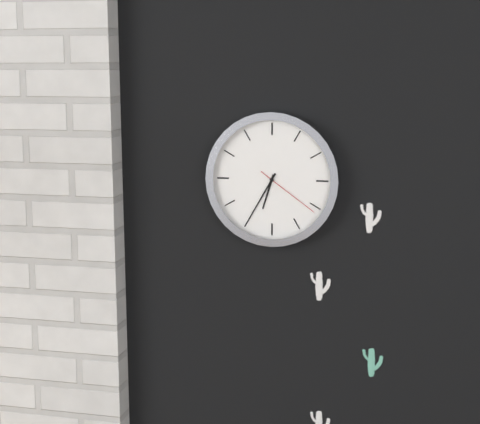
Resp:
**6:35:21**
